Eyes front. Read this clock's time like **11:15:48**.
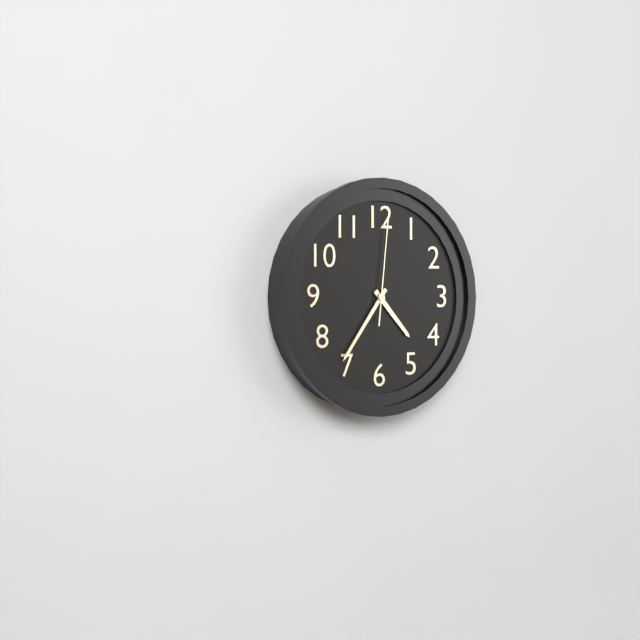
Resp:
**4:36:01**
